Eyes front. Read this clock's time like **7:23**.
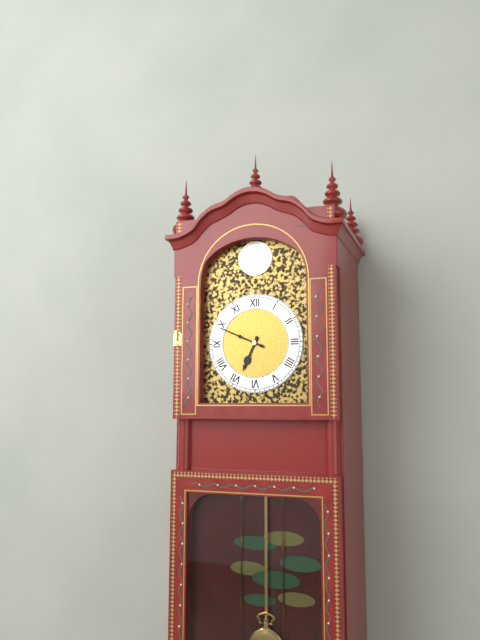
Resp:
**6:49**
